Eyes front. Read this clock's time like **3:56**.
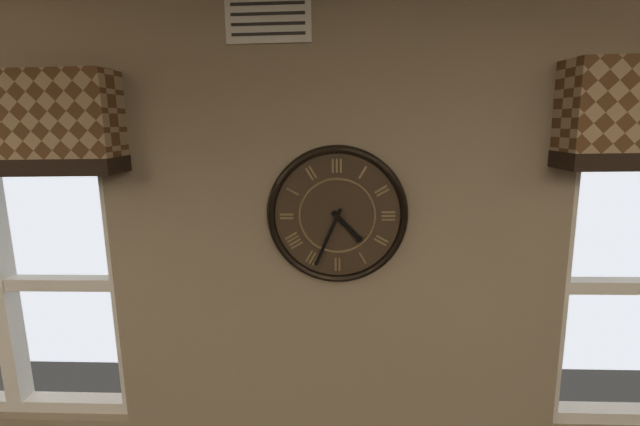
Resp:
**4:34**
